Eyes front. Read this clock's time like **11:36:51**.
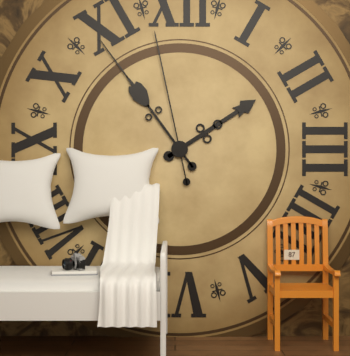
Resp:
**1:54:58**
